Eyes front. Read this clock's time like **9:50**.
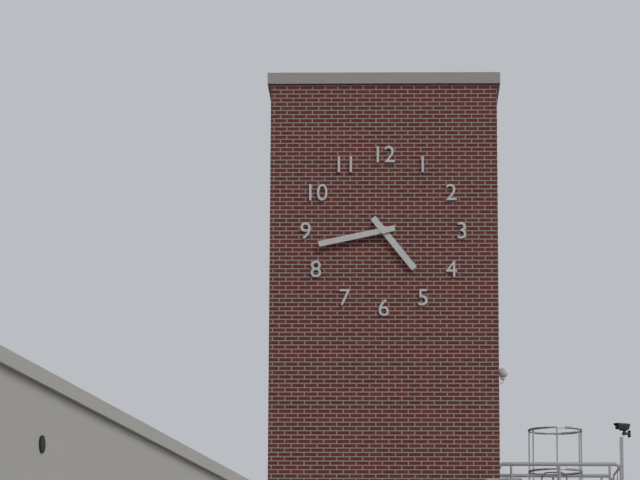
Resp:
**4:43**
